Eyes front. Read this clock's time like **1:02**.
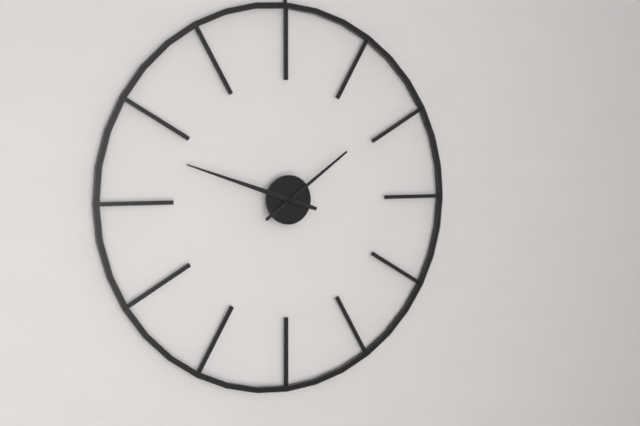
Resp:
**1:48**
